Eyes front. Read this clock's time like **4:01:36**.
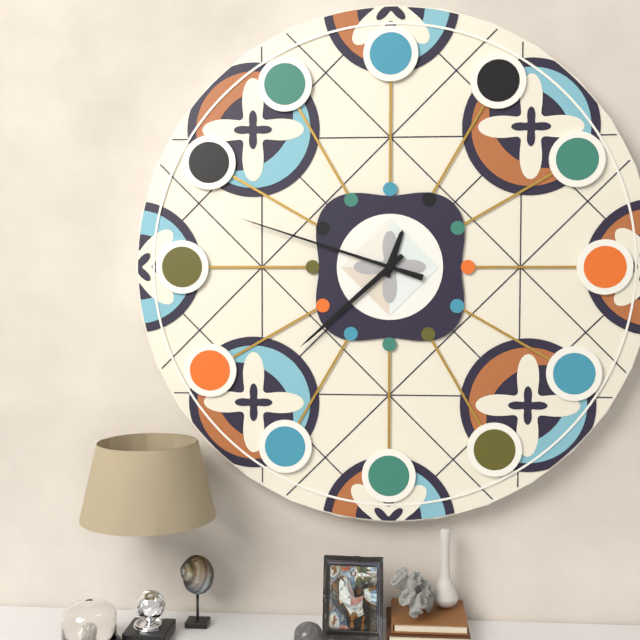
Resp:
**12:38:48**
